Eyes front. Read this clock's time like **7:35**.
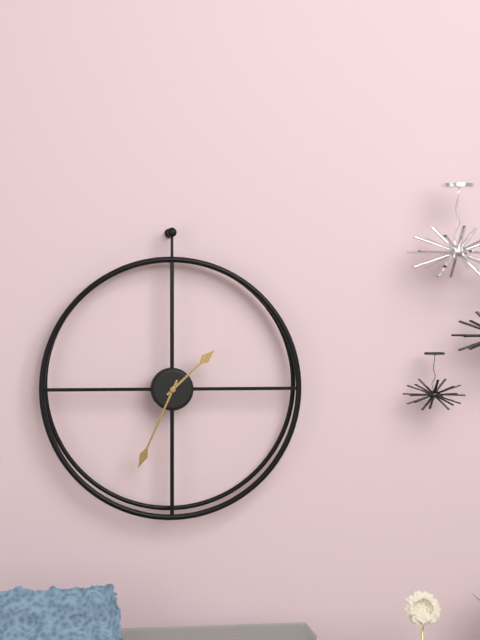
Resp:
**1:34**
